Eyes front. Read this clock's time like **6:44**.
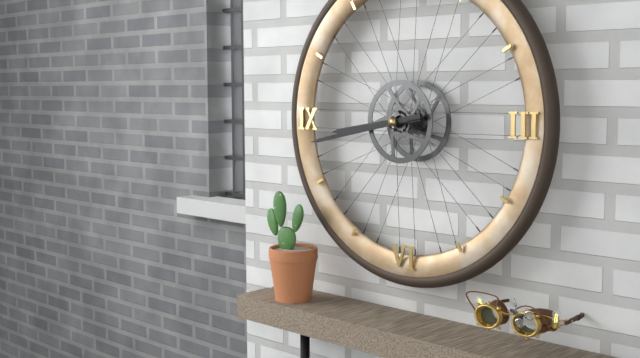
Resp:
**8:43**
